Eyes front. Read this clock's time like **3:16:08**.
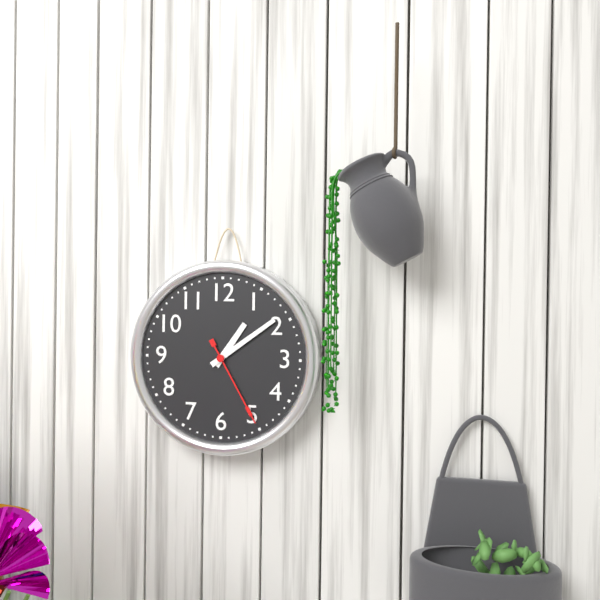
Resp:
**1:09:25**
